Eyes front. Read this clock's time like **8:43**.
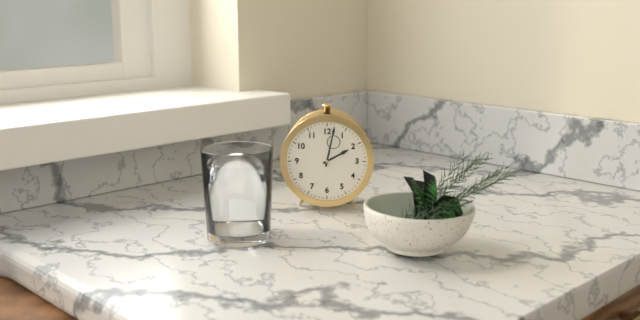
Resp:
**2:02**
